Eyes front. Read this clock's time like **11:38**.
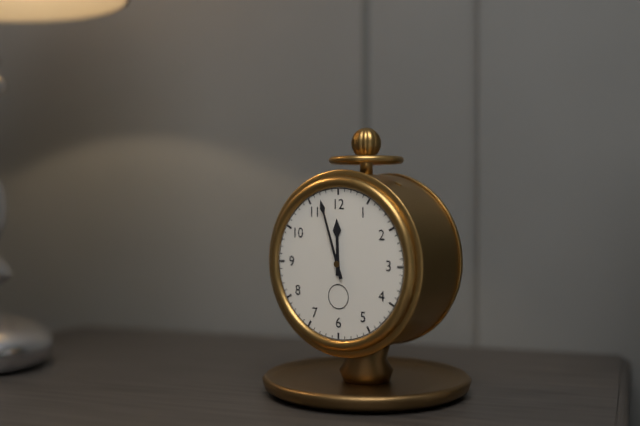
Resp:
**11:57**
